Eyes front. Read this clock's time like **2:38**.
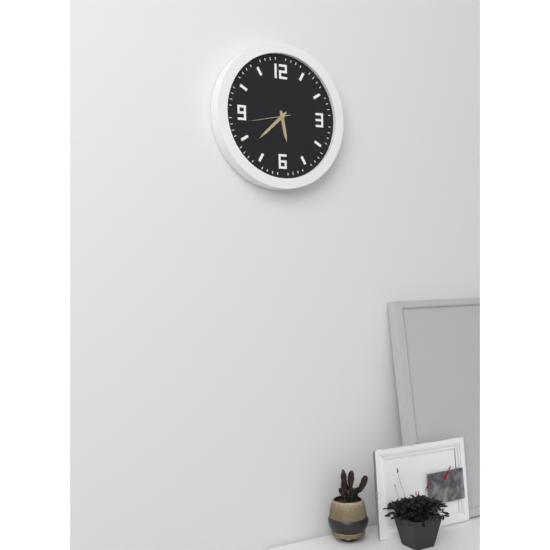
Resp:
**5:38**
